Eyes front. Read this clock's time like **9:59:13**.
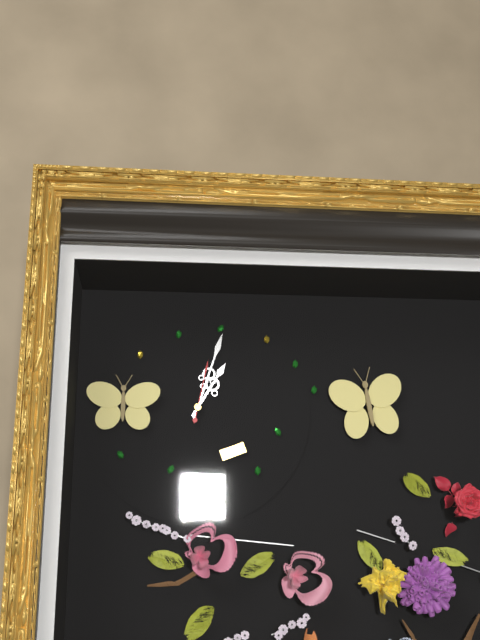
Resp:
**1:03:02**
